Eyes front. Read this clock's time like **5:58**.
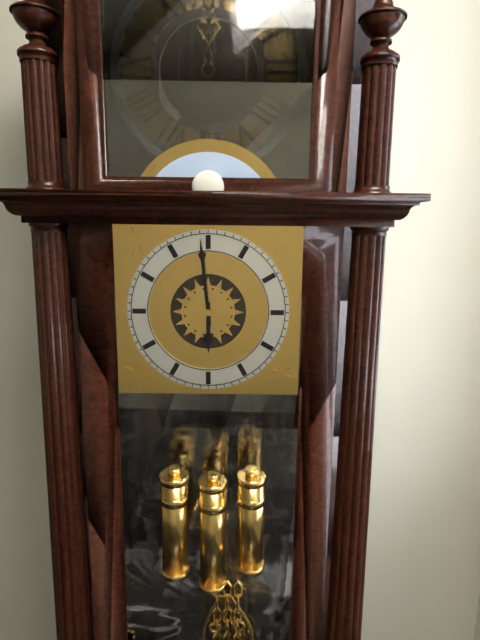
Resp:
**5:59**
